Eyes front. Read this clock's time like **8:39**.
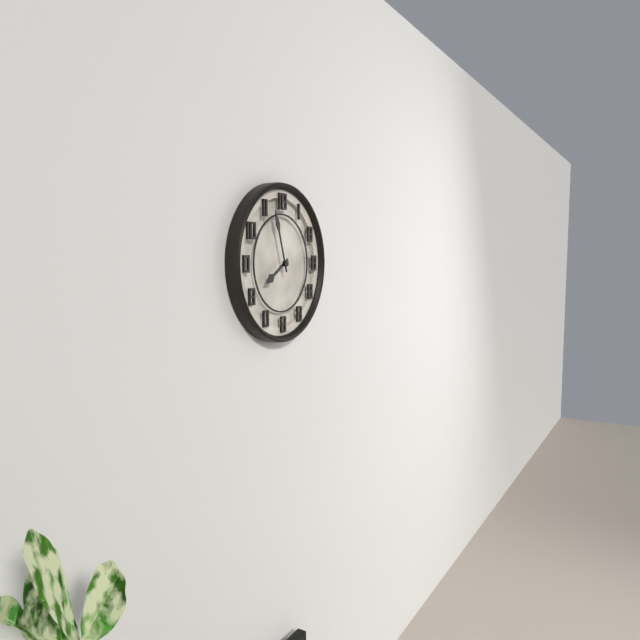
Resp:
**7:57**
